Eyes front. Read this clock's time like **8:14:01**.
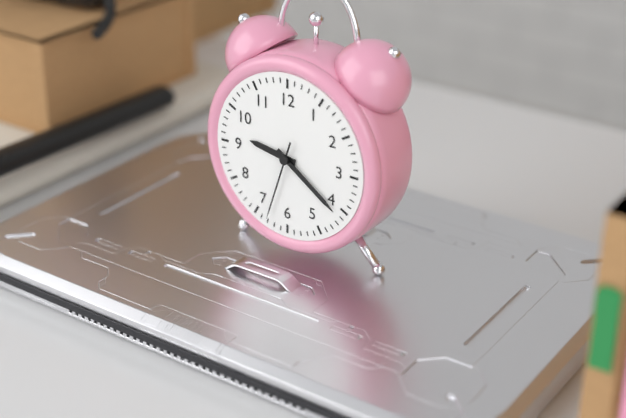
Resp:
**9:21:33**
